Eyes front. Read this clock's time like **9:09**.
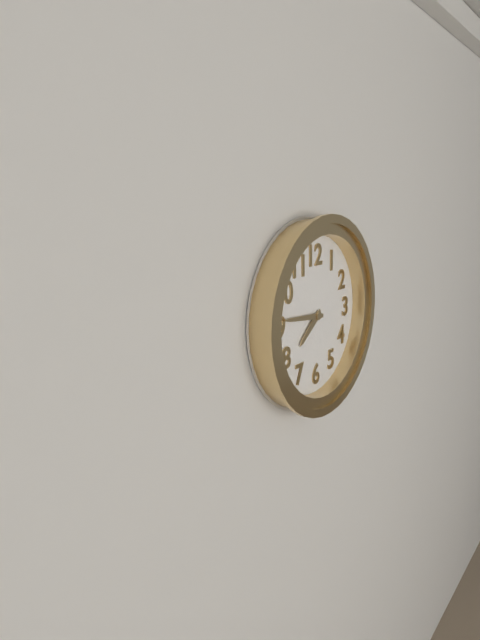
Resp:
**7:46**
